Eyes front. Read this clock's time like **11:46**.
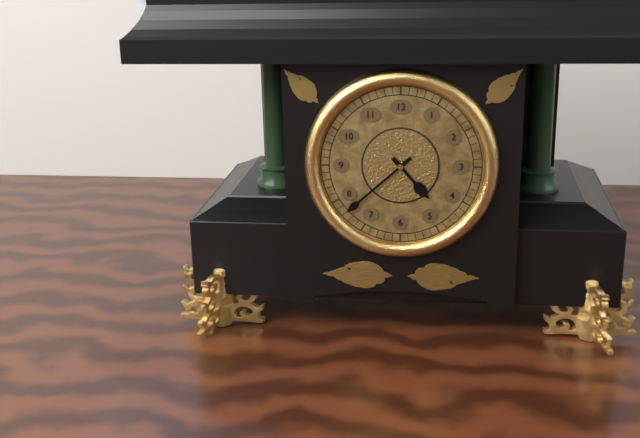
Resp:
**4:38**
